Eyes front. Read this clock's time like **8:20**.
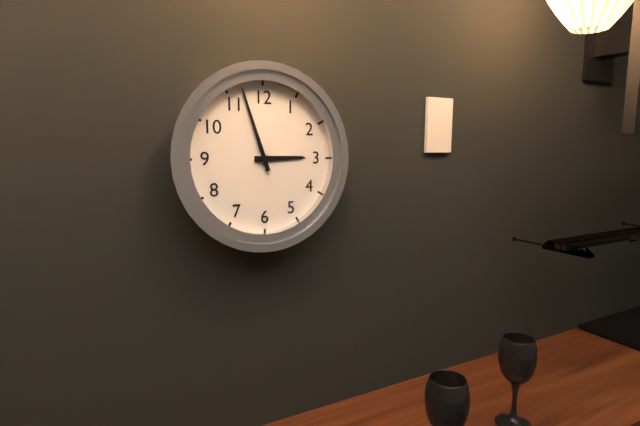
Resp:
**2:57**
